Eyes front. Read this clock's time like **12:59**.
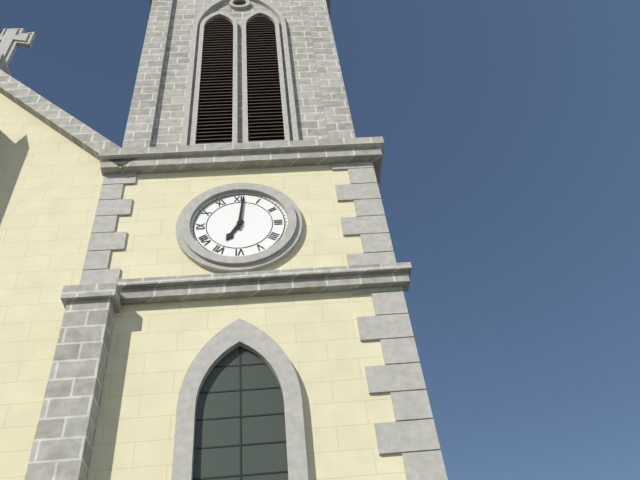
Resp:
**7:01**
